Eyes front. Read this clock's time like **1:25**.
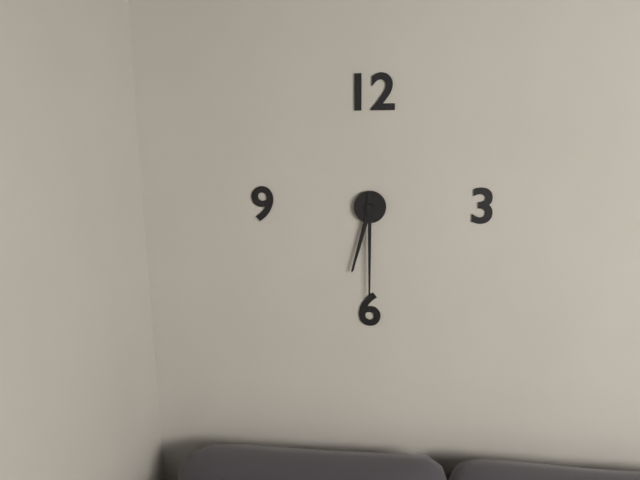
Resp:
**6:30**
